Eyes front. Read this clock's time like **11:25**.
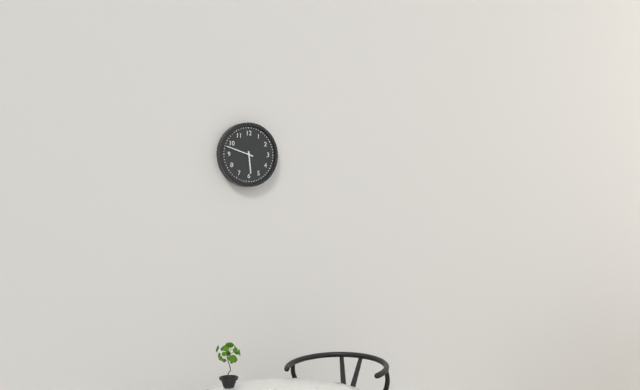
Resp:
**5:48**
